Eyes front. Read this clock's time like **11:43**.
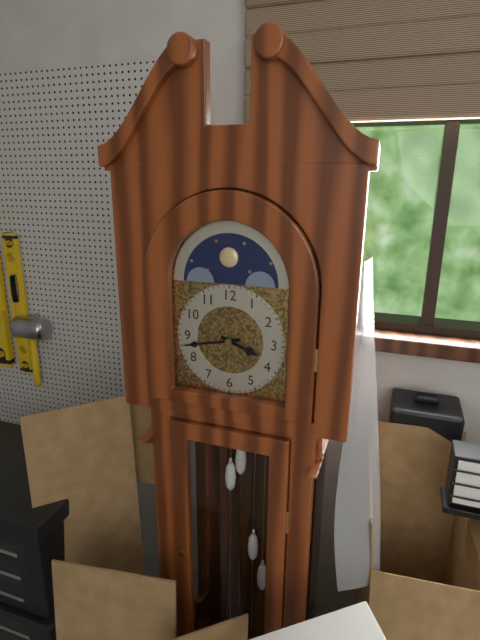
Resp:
**3:43**
